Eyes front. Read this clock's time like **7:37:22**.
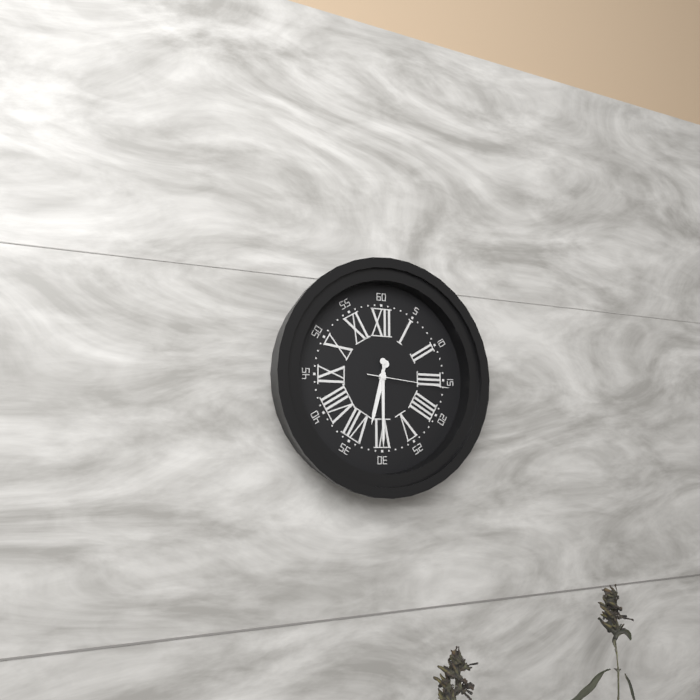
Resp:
**6:30:16**
